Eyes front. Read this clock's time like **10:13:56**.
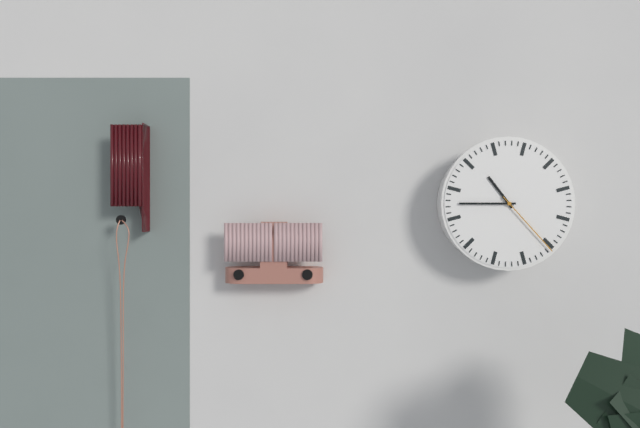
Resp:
**10:45:23**
